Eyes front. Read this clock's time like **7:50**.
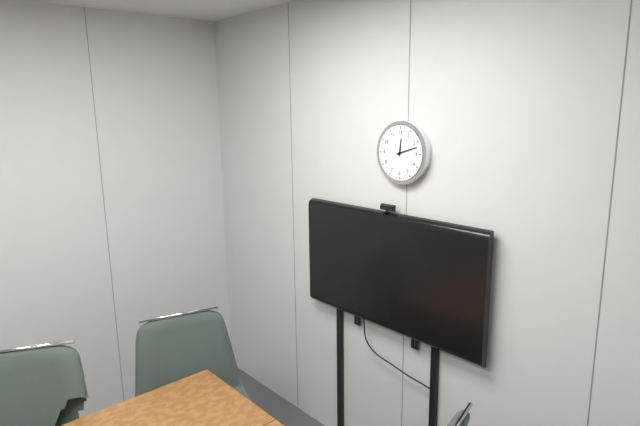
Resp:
**12:12**
